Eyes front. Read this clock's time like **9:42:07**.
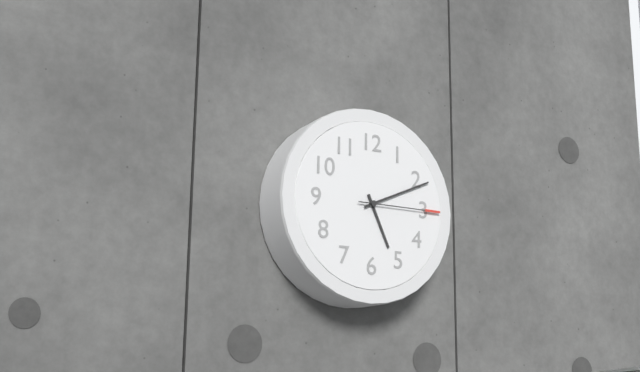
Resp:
**5:11:15**
